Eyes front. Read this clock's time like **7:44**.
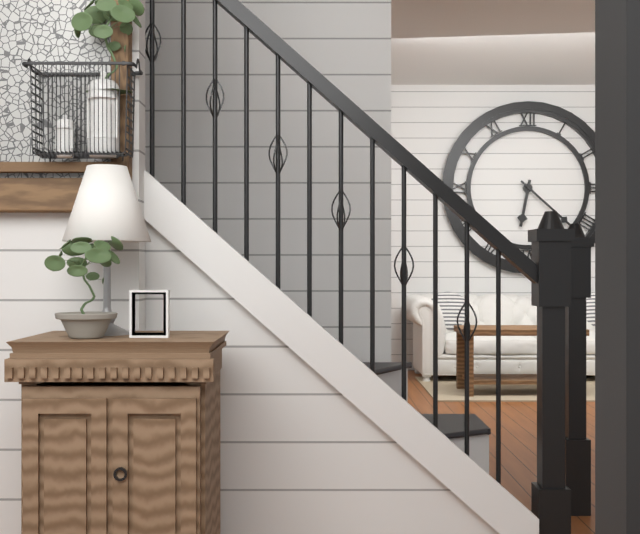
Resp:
**6:22**
